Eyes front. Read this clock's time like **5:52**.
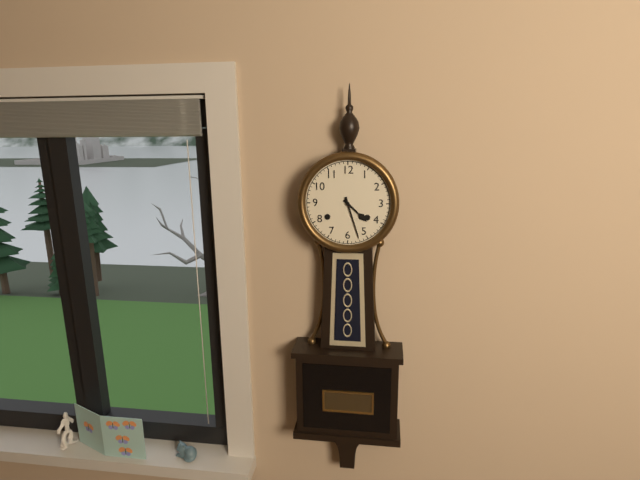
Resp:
**4:27**
